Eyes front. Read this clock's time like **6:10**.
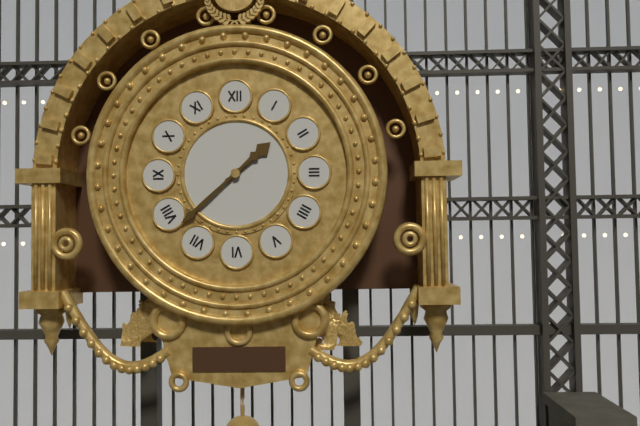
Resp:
**1:38**
